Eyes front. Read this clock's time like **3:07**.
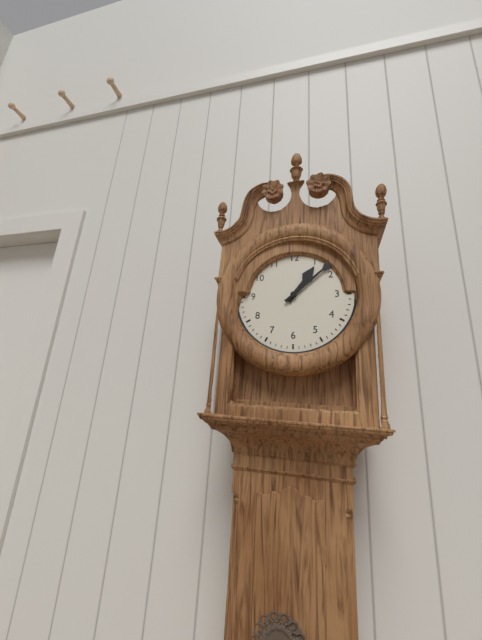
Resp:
**1:08**
